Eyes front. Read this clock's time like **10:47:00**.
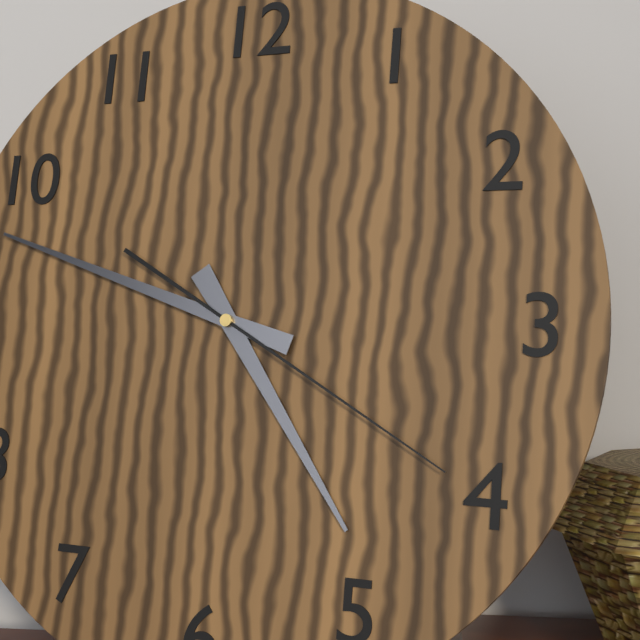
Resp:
**4:48:20**
